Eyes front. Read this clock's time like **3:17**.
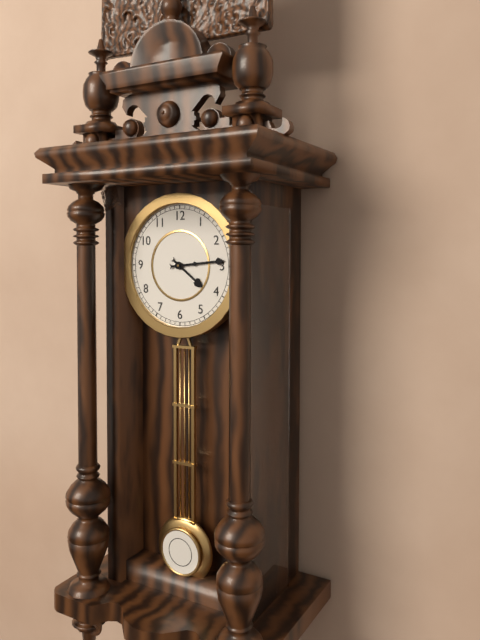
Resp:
**4:14**
